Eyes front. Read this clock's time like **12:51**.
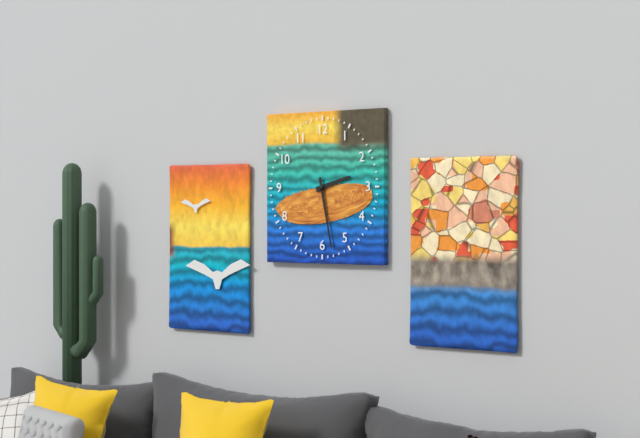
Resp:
**2:28**
